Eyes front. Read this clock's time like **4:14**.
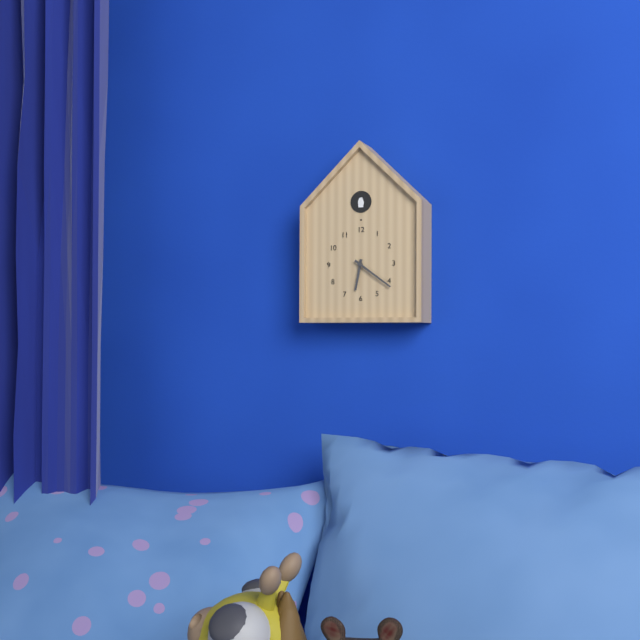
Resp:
**6:21**
